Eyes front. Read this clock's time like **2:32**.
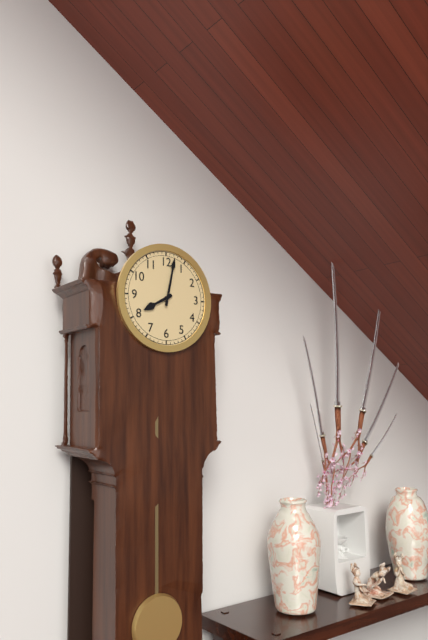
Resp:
**8:02**
